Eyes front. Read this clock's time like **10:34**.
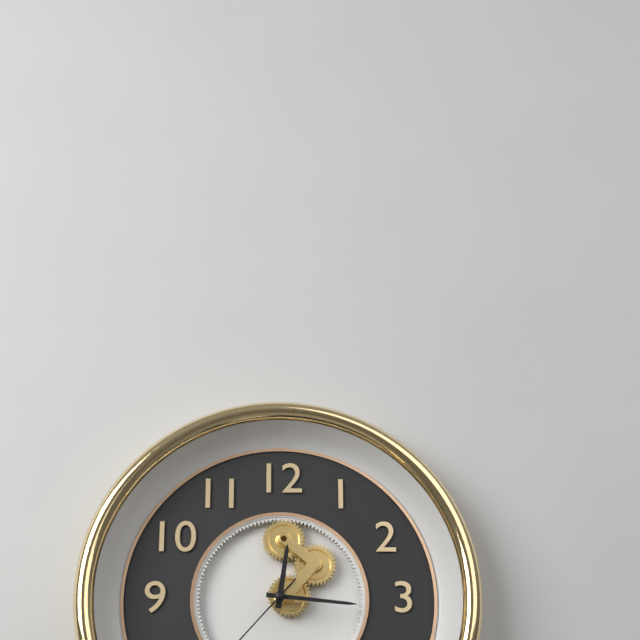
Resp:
**12:16**
